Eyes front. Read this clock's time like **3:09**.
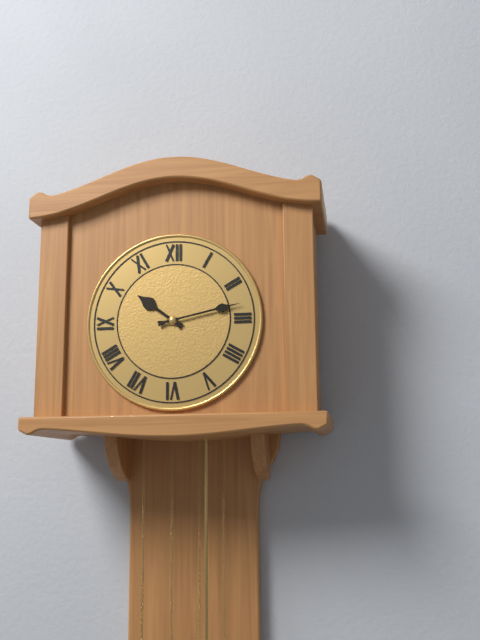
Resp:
**10:13**
